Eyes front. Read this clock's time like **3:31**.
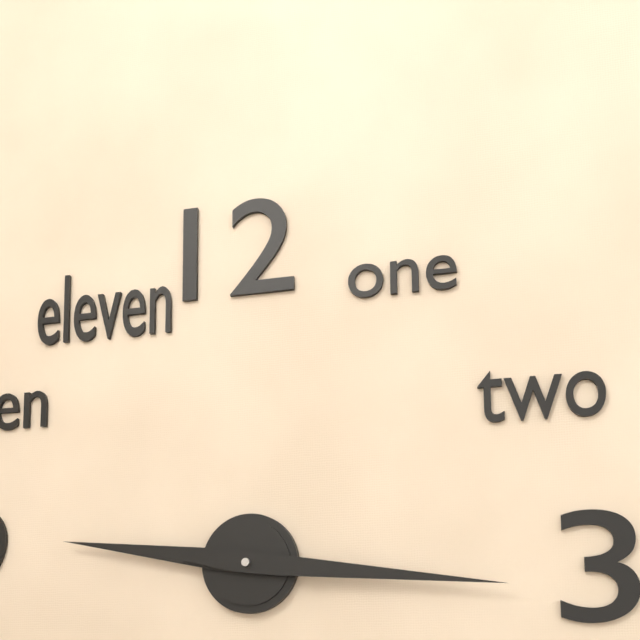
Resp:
**9:16**
